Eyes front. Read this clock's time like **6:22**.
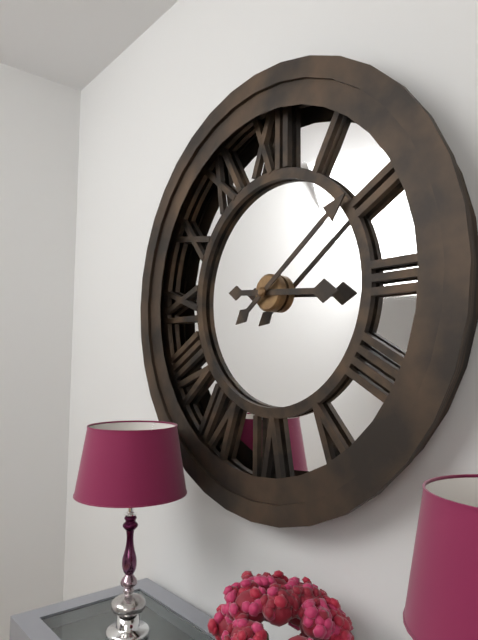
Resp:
**3:09**
